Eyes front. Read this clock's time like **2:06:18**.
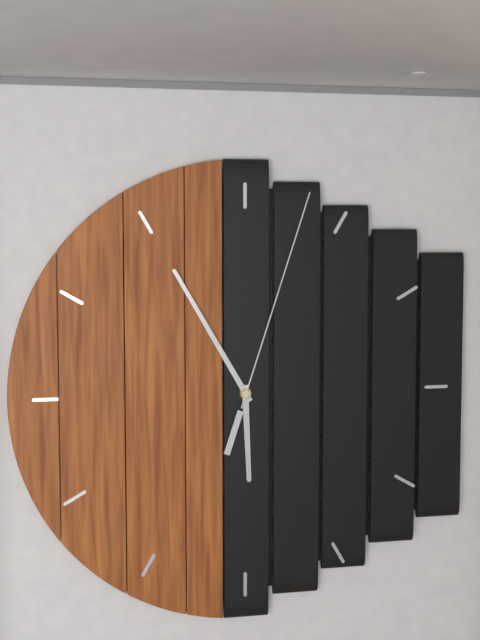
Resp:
**5:55:03**
